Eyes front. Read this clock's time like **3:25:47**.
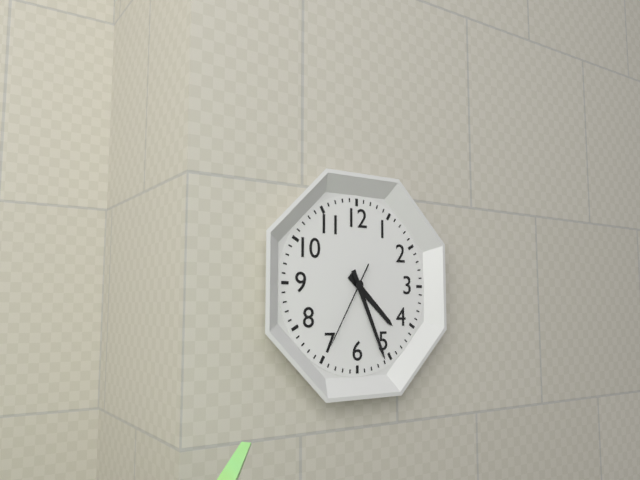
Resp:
**4:26:35**
